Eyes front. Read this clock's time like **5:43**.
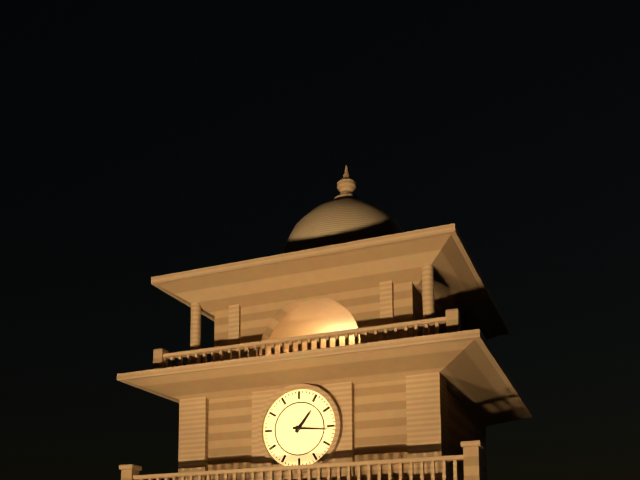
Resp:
**1:16**
